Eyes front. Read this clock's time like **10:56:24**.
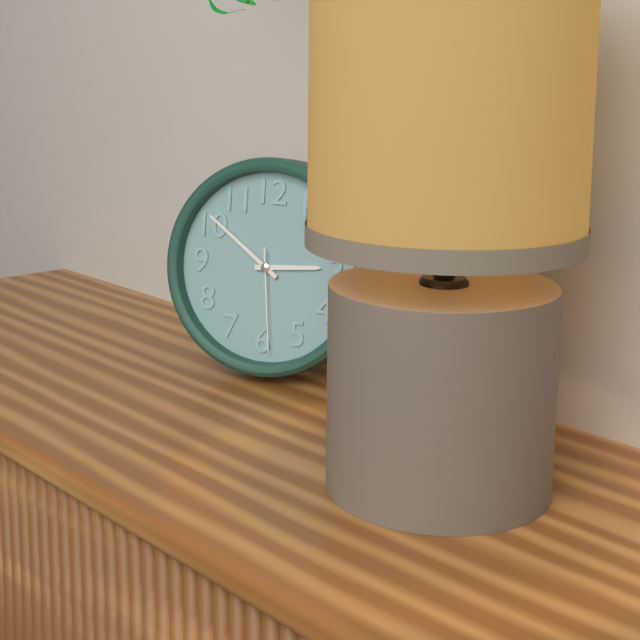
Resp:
**2:51:29**
